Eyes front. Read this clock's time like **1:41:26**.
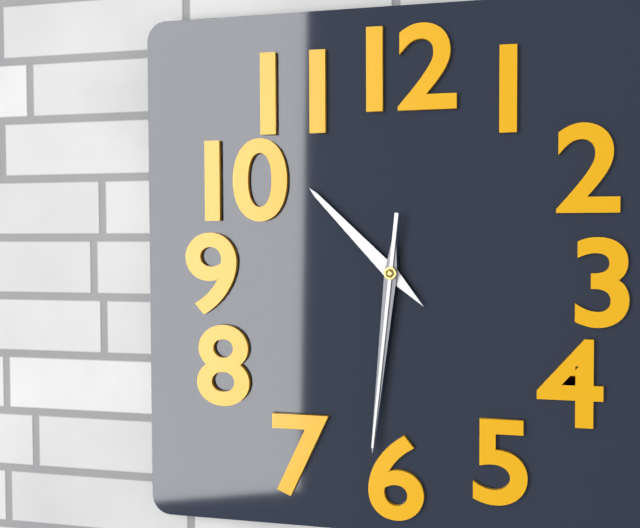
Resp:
**10:31:31**
